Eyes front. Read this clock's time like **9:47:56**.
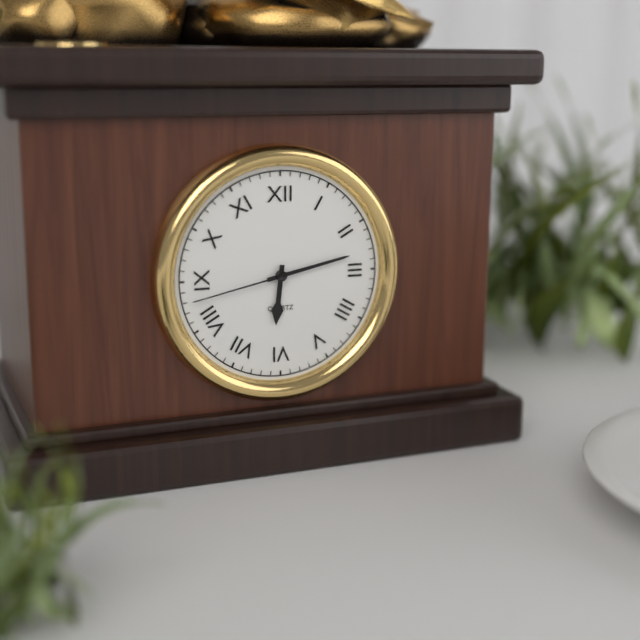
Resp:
**6:13:43**
